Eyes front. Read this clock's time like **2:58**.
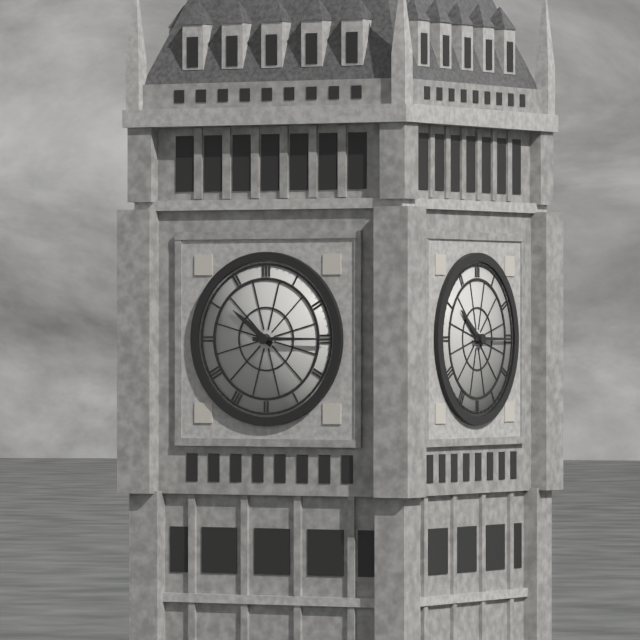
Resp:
**10:15**
